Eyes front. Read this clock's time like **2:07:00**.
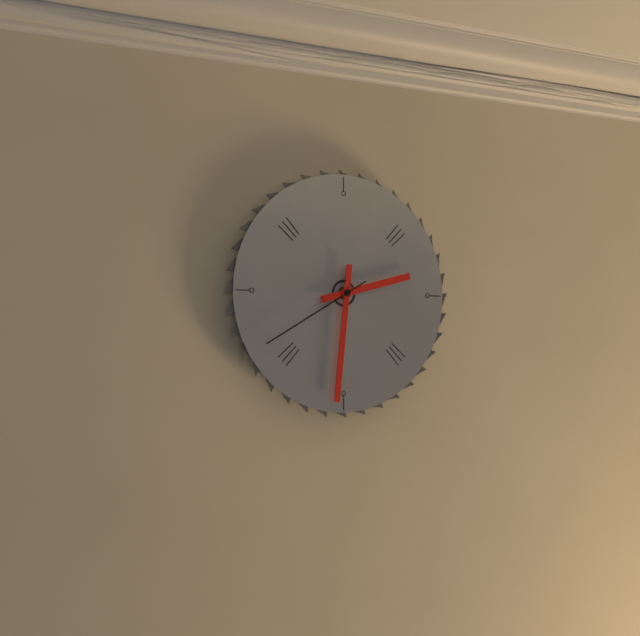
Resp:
**2:31:40**
